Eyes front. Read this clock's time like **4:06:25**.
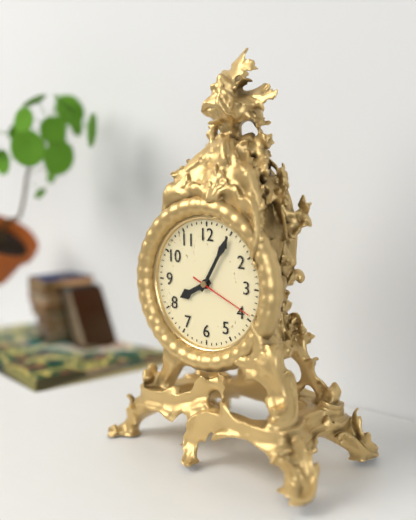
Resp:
**8:05:19**
